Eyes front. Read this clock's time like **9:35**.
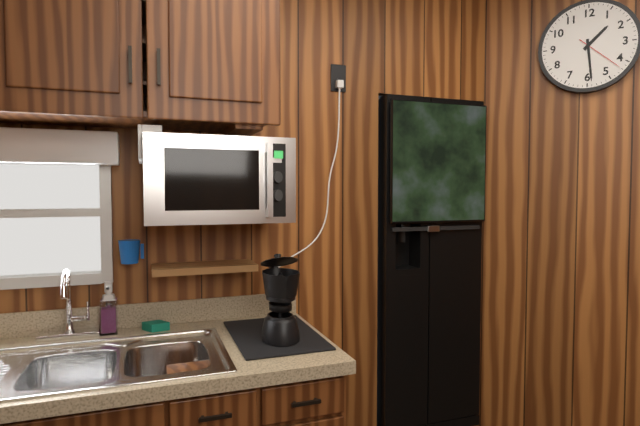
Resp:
**1:29**
